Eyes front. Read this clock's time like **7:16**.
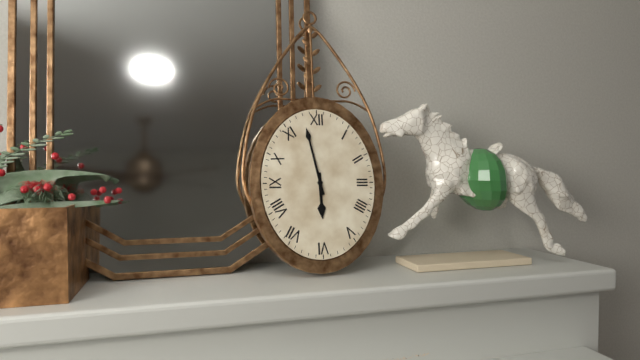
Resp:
**5:58**
